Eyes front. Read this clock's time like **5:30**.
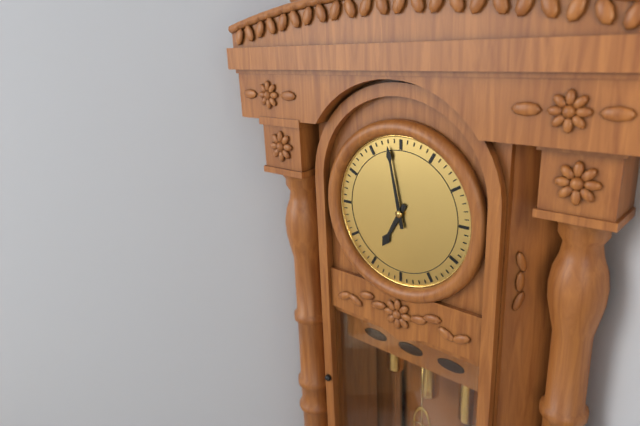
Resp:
**6:58**
